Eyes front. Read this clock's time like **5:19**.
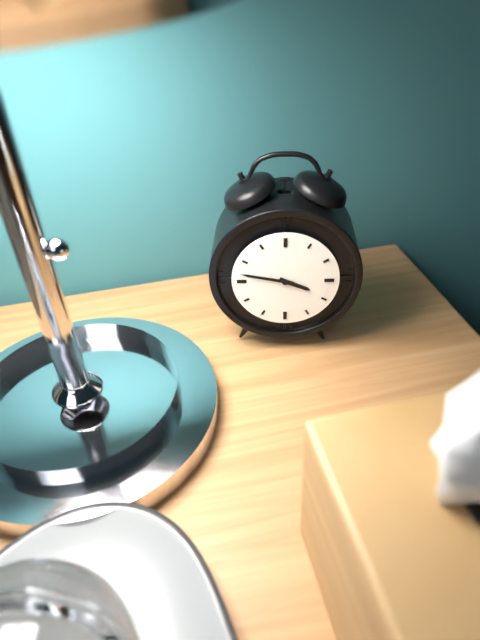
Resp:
**3:47**
